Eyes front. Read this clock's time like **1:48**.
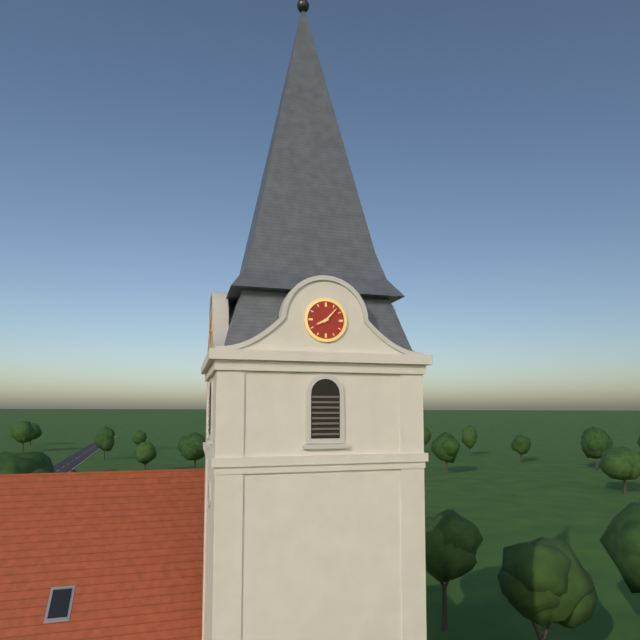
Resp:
**8:07**
